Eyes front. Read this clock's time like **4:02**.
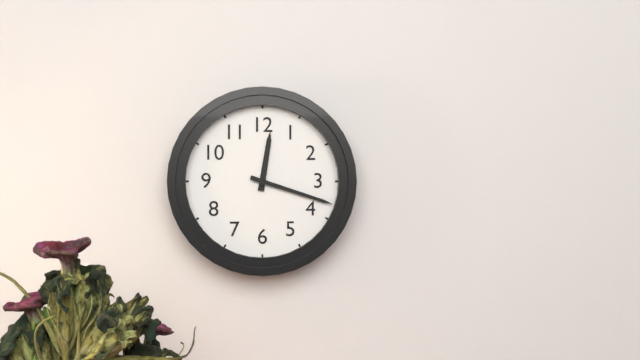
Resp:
**12:18**
